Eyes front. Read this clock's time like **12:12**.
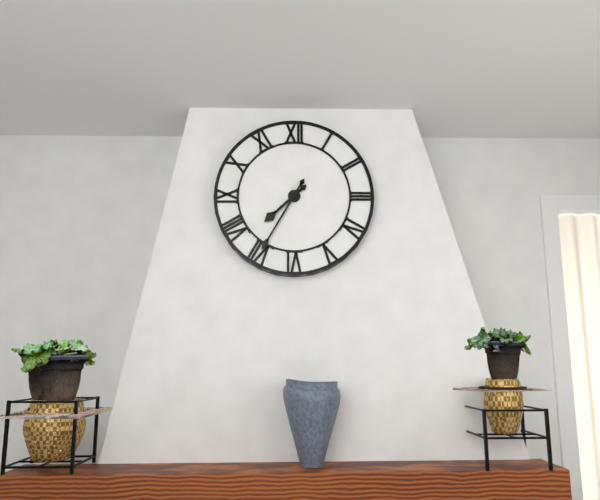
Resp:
**7:35**
